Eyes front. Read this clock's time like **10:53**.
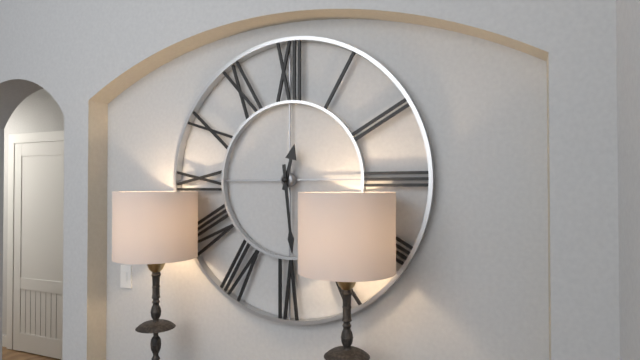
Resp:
**12:29**
